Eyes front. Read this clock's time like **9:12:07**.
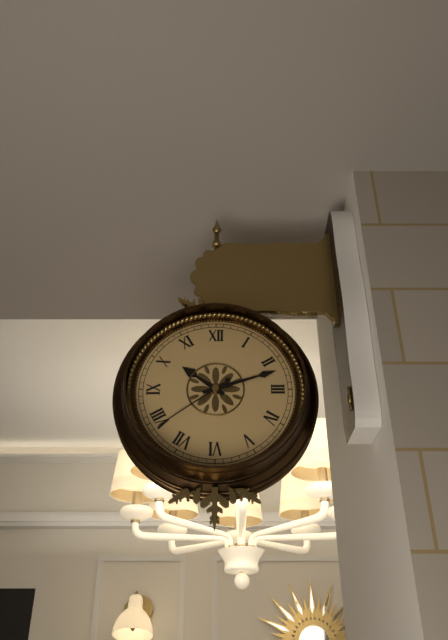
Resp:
**10:12:39**
